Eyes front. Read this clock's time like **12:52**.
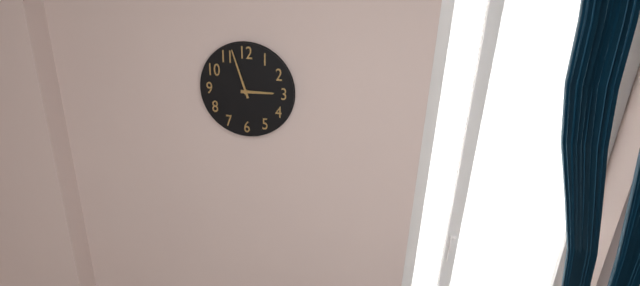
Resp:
**2:57**
